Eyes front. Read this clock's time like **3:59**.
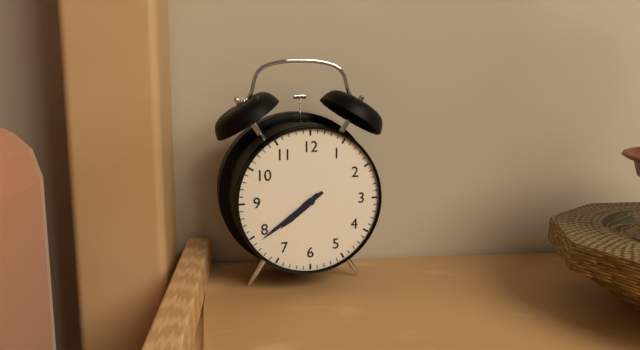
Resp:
**7:39**
